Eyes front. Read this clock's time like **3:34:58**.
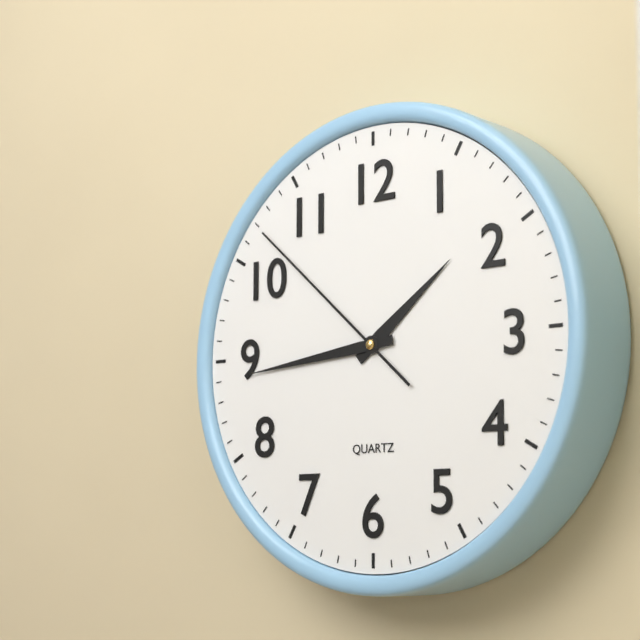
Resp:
**1:44:52**
